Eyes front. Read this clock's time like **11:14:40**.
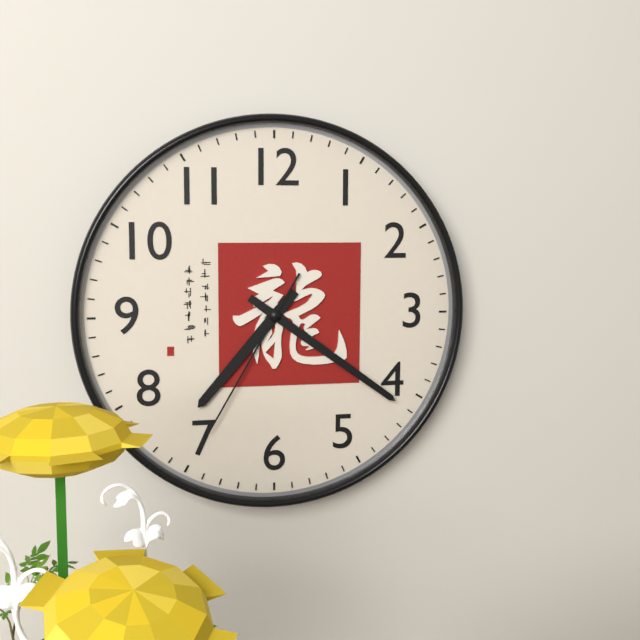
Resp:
**7:21:35**
